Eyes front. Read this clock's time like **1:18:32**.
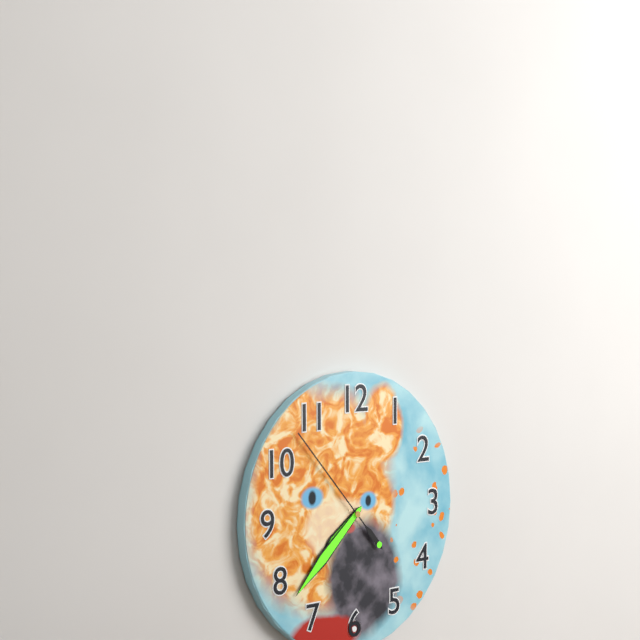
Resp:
**7:38:53**
